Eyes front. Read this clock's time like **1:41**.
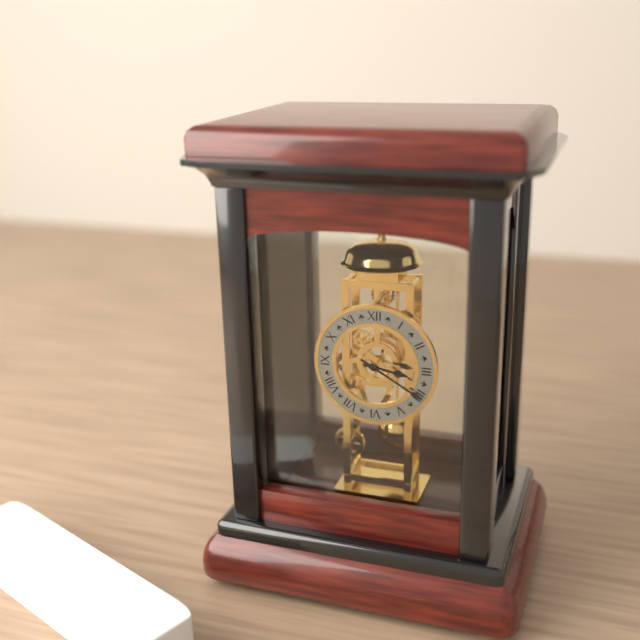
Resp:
**3:20**
